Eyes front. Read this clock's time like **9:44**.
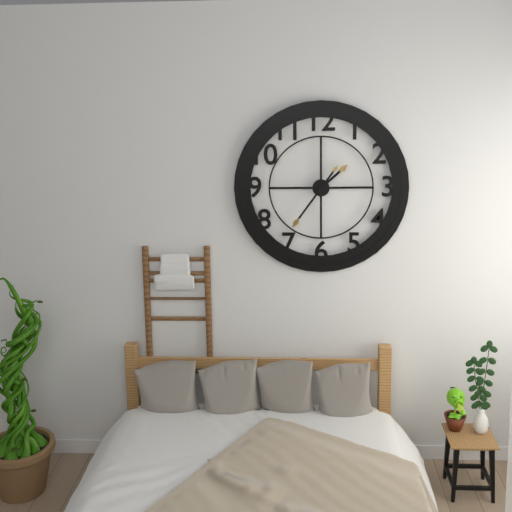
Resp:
**1:36**
